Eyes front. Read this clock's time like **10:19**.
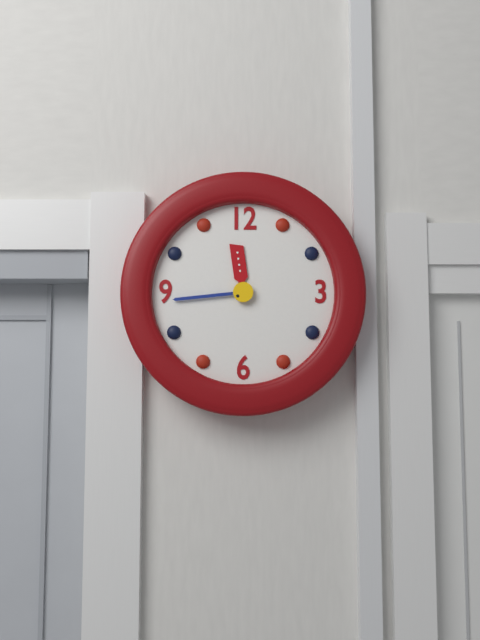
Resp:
**11:44**
